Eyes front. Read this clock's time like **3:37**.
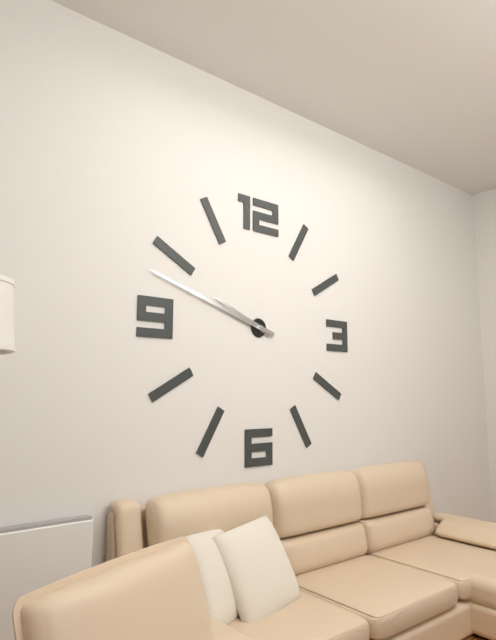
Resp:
**9:48**
